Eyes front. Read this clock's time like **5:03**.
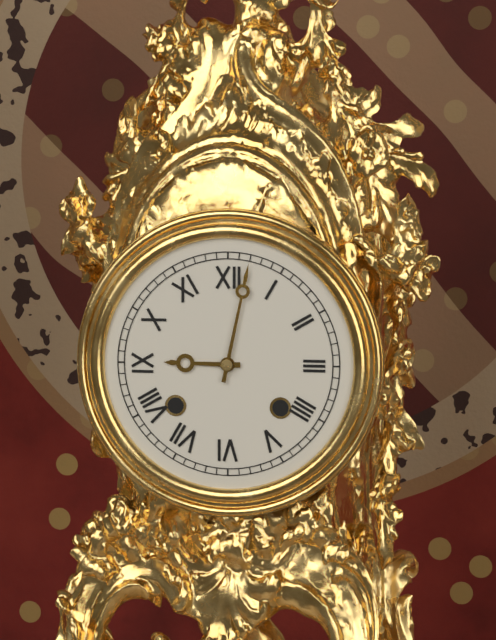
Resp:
**9:02**
